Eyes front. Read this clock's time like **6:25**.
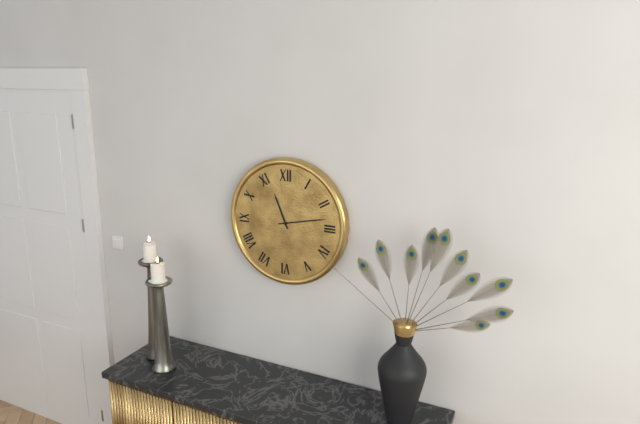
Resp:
**11:13**
